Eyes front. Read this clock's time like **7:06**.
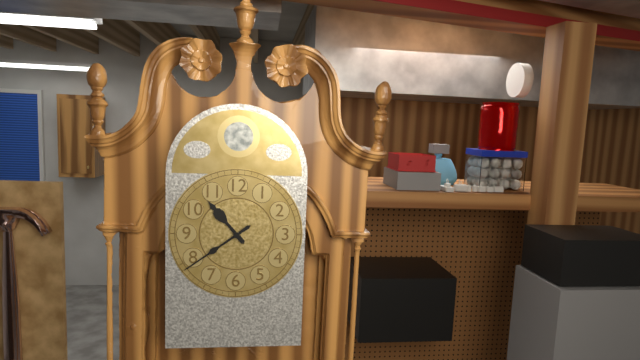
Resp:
**10:39**
